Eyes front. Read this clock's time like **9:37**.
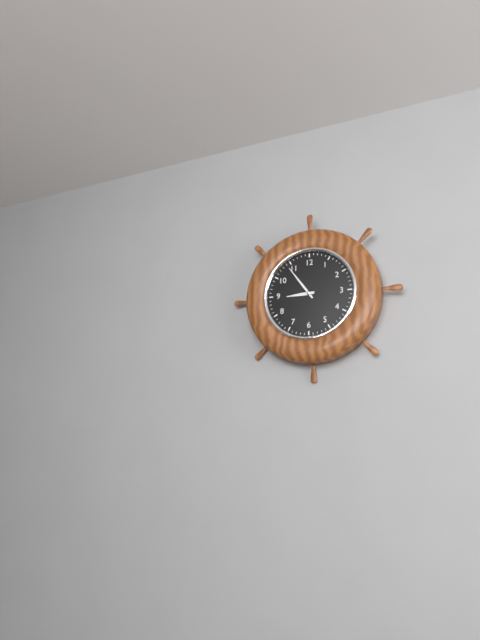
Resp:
**8:54**
